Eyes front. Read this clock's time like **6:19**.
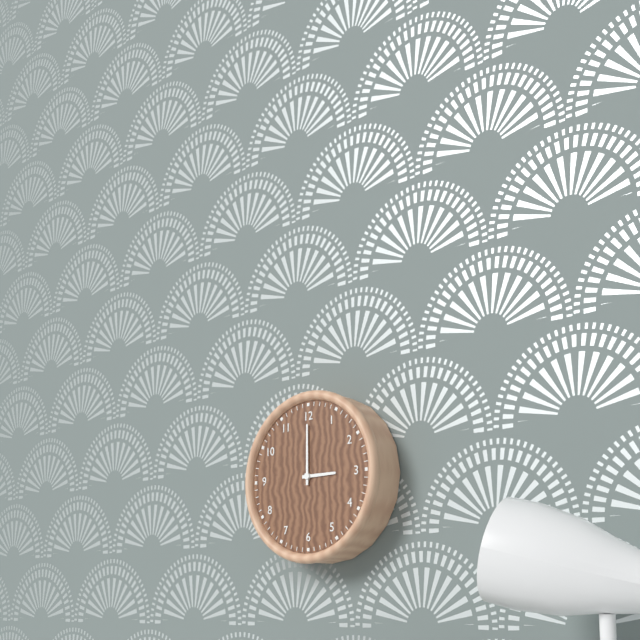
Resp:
**3:00**
